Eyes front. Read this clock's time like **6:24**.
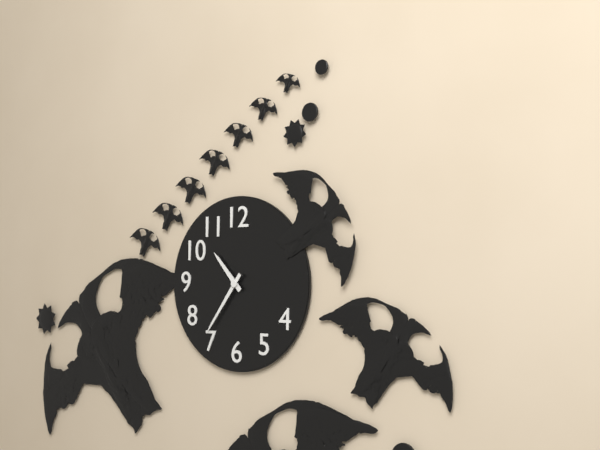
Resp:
**10:36**
